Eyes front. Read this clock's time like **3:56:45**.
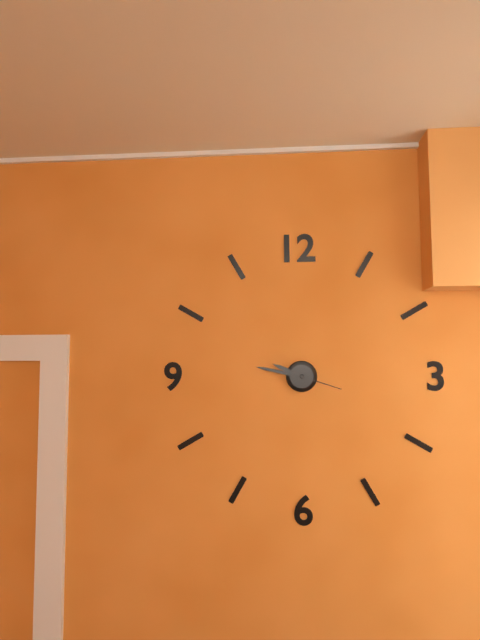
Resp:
**9:47:18**
